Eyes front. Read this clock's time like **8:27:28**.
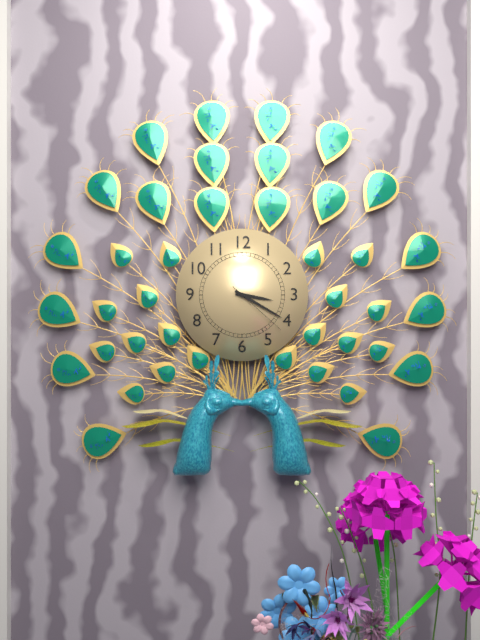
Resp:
**3:20:22**
